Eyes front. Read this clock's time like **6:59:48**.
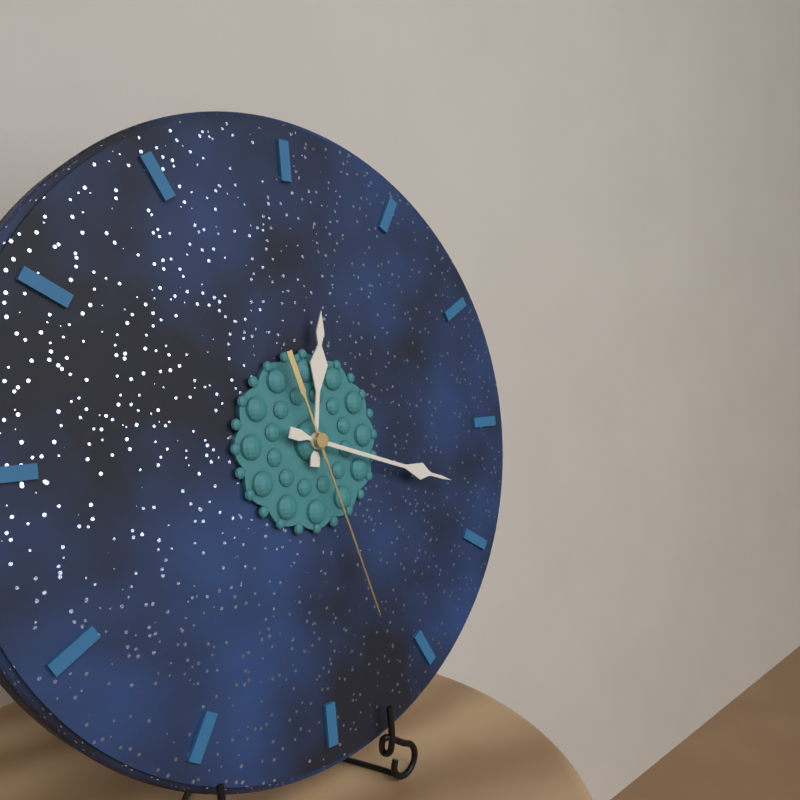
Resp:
**12:18:27**
